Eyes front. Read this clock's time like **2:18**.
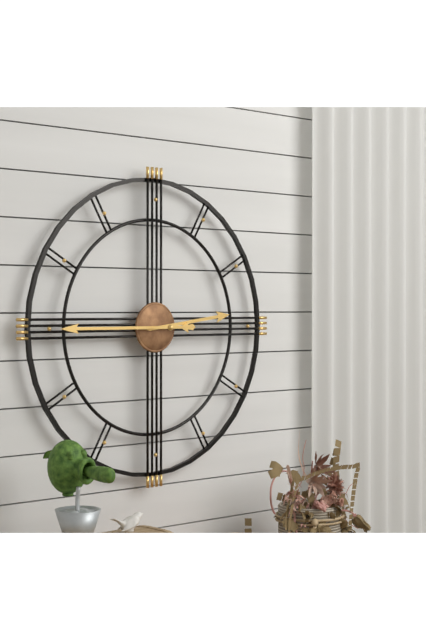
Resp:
**2:45**
